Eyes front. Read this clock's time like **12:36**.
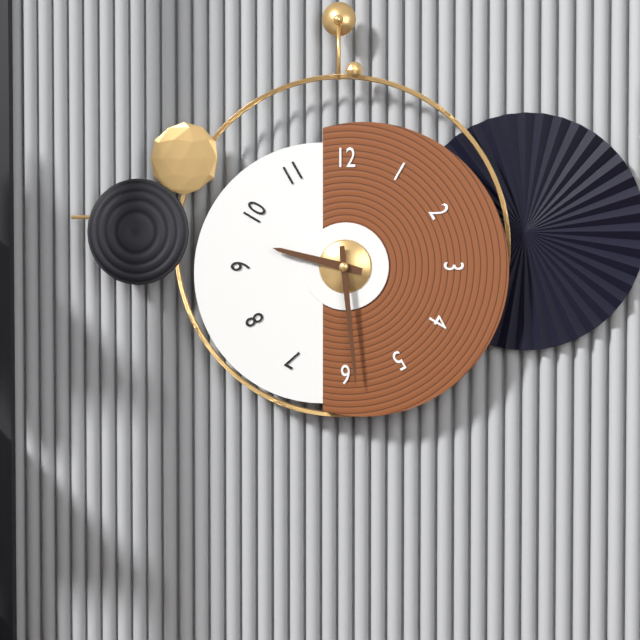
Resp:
**9:29**
